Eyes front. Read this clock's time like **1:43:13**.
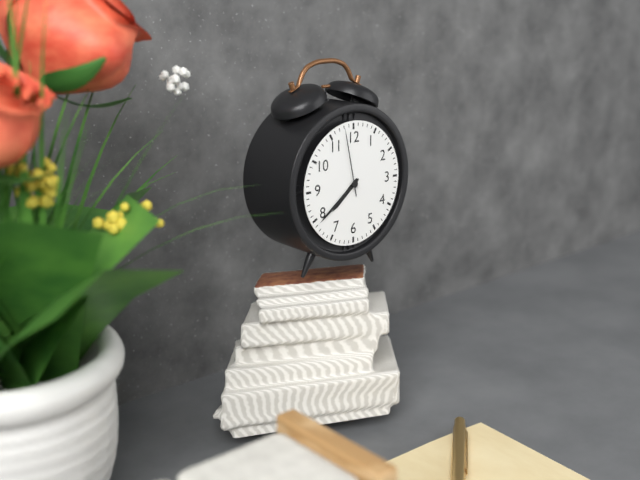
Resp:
**7:39:58**
